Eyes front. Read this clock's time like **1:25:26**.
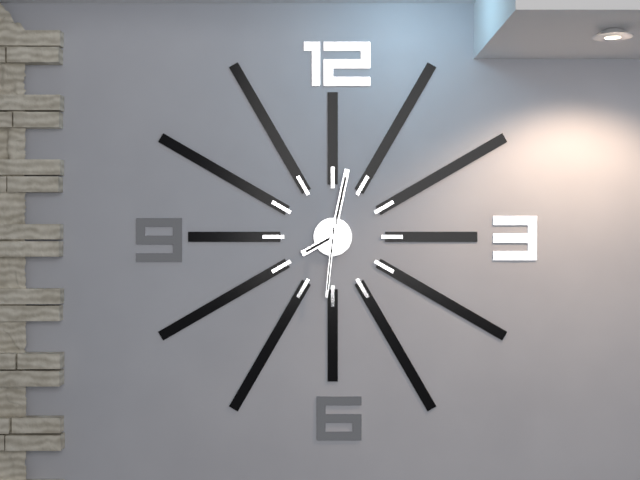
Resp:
**8:02:31**
